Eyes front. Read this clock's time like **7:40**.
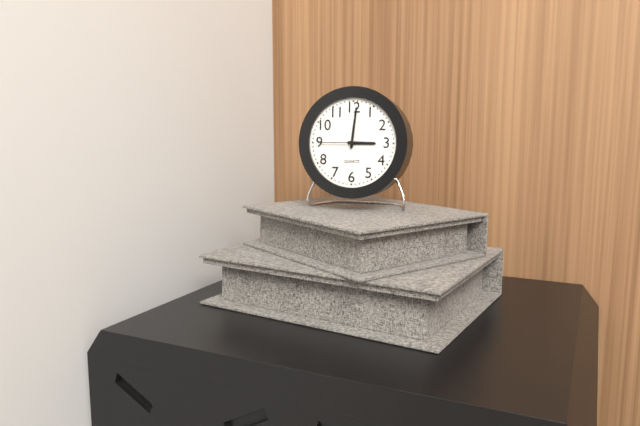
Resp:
**3:01**
